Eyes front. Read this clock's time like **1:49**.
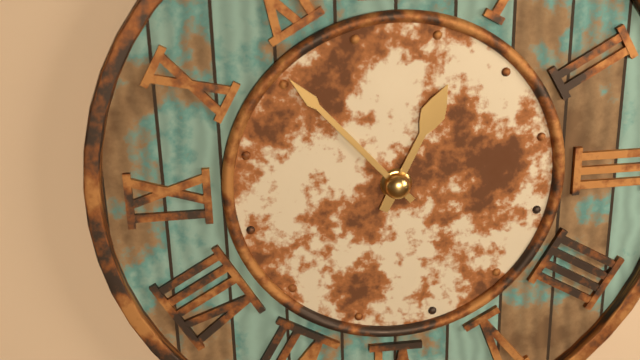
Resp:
**12:53**
